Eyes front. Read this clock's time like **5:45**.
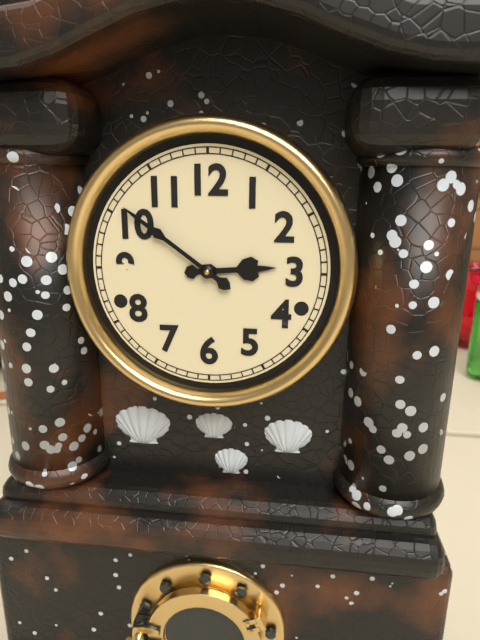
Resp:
**2:51**
